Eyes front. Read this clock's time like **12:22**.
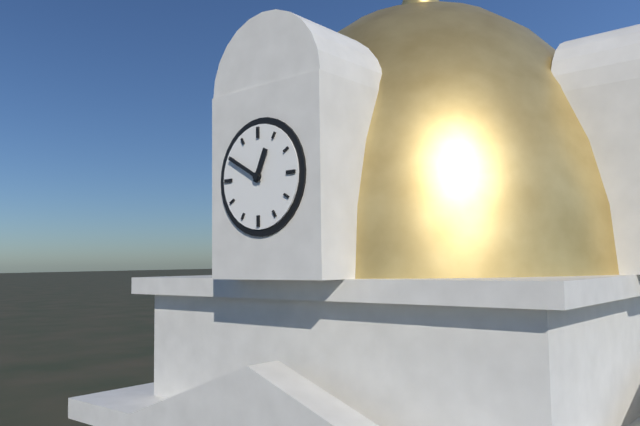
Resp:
**12:50**
